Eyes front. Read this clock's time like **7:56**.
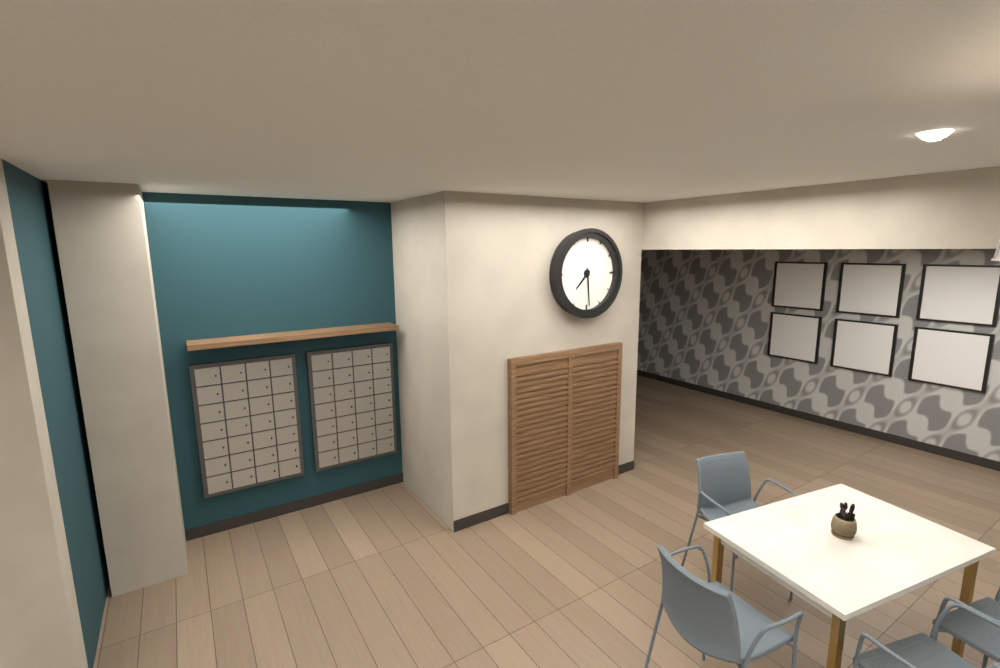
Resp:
**7:29**
